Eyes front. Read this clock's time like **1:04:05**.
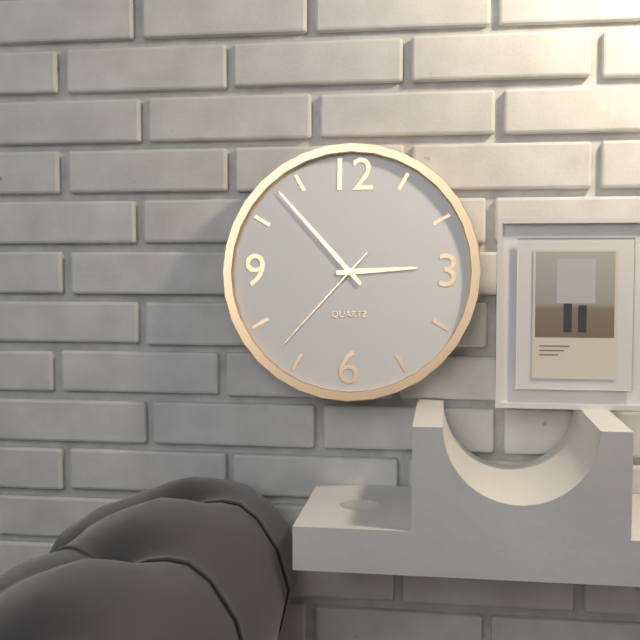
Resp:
**2:53:37**
